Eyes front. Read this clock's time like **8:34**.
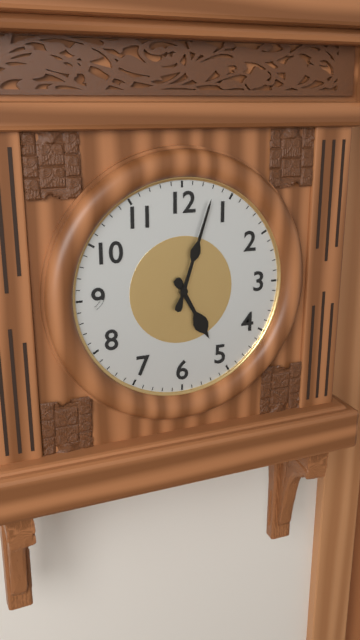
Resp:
**5:03**
